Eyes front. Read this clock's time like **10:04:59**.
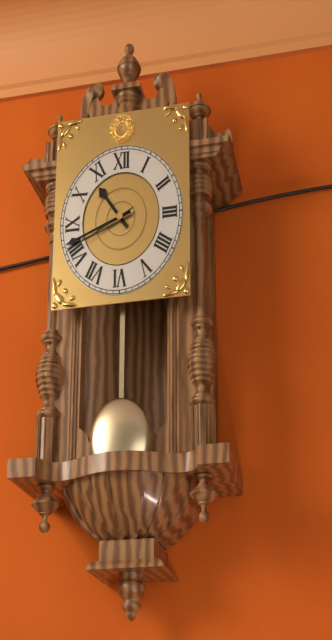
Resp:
**10:42:41**
